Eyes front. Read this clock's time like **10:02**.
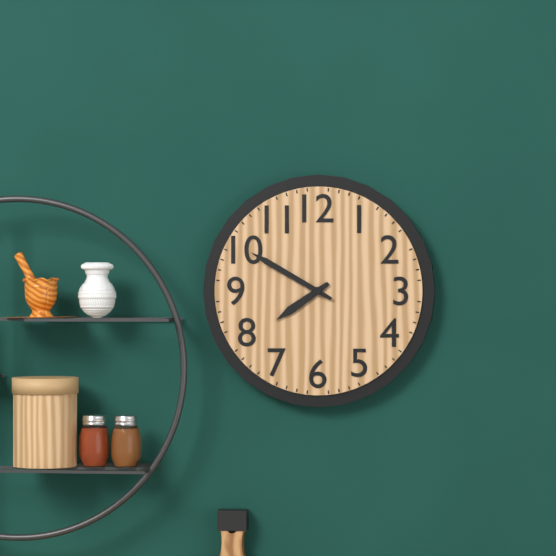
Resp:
**7:50**
